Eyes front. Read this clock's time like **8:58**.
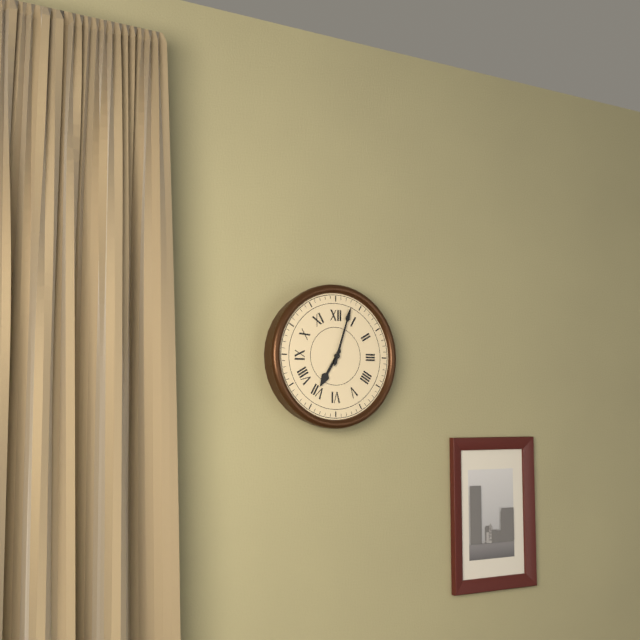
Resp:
**7:03**
